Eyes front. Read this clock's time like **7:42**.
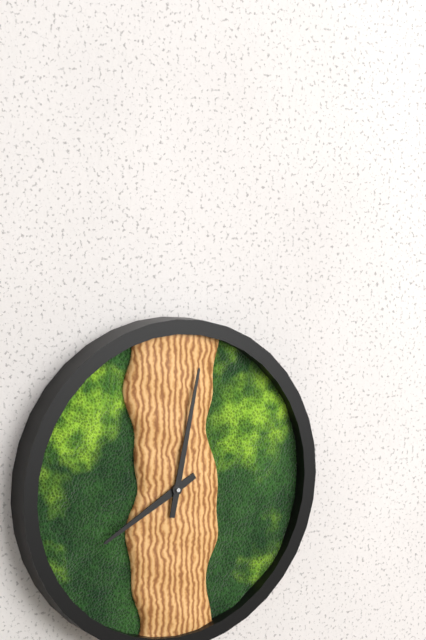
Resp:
**8:02**
